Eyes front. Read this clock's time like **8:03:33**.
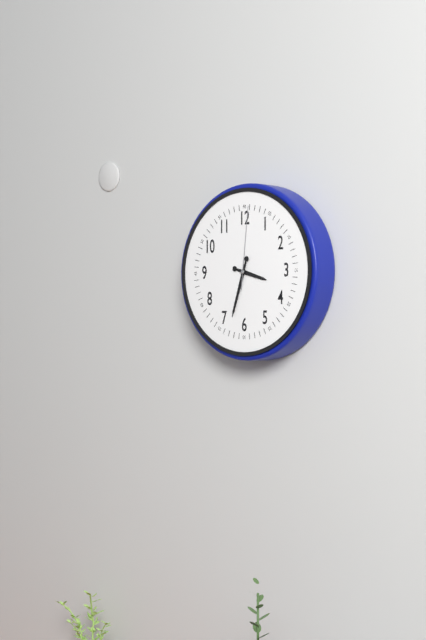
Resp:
**3:33:01**
